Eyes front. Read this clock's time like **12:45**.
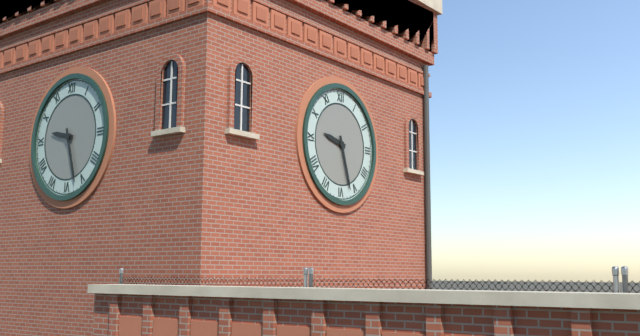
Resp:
**9:27**
